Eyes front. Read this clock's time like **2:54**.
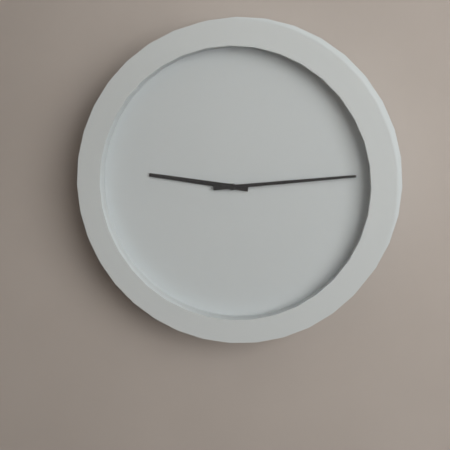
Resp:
**9:14**
